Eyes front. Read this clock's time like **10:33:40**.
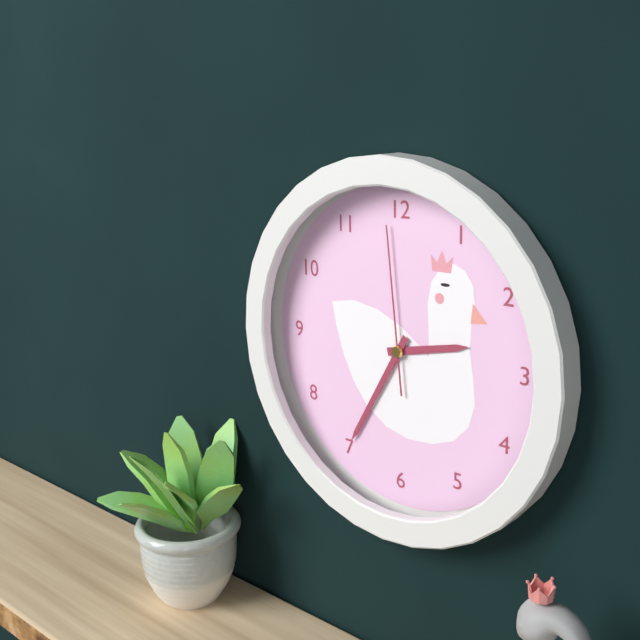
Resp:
**2:35:59**
